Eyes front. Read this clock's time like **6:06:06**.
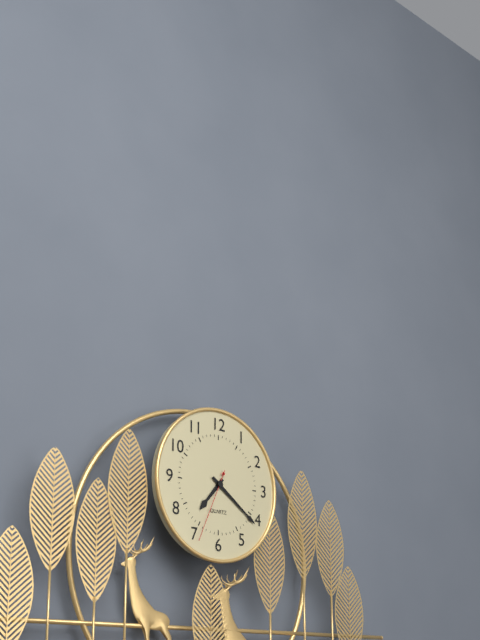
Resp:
**7:21:34**
